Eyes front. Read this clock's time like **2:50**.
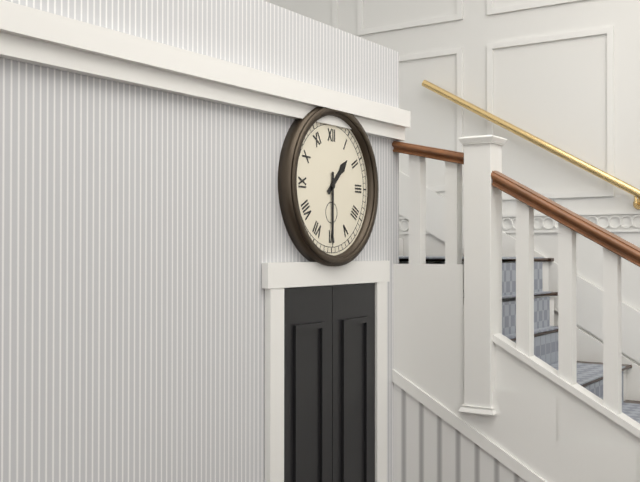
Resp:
**1:30**
